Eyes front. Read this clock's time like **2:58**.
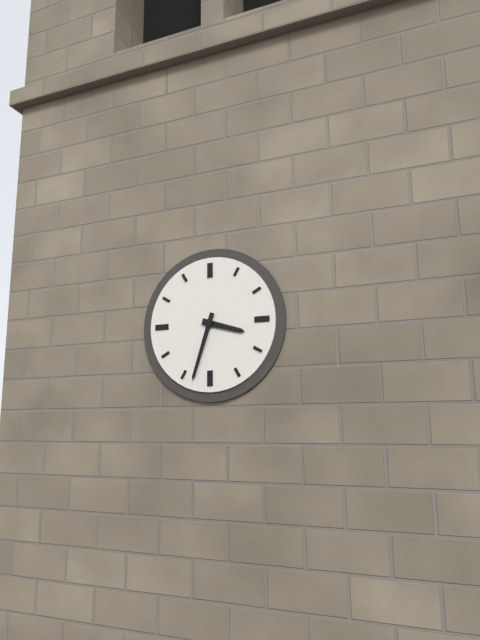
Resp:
**3:33**
